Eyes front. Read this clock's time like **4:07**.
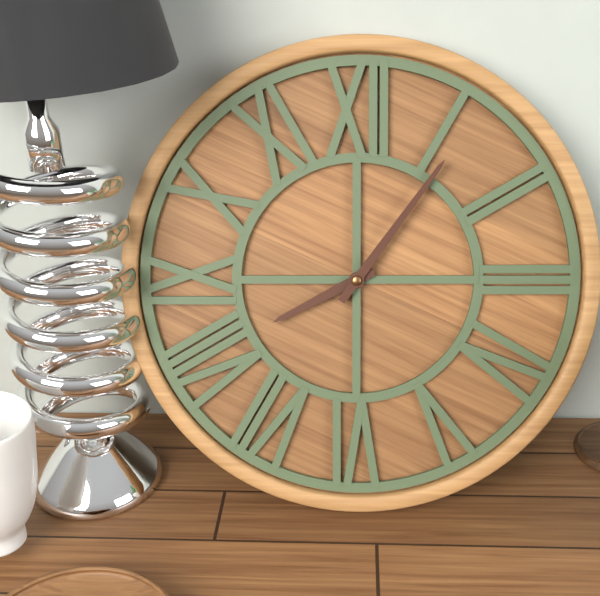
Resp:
**8:06**
